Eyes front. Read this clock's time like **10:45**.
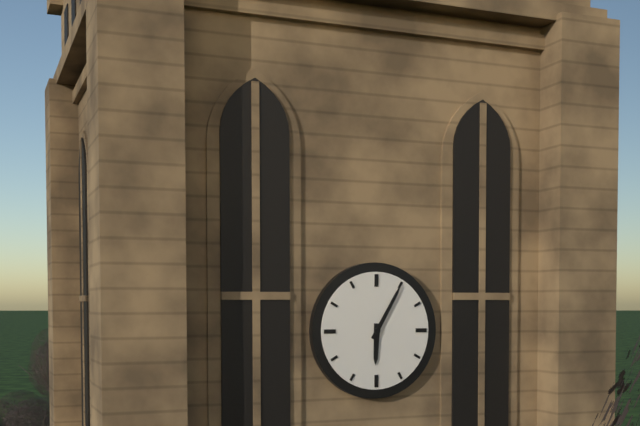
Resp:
**6:05**
